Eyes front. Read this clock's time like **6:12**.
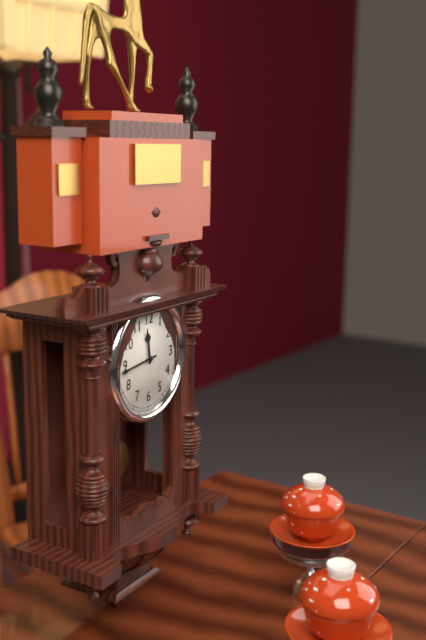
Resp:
**11:44**
